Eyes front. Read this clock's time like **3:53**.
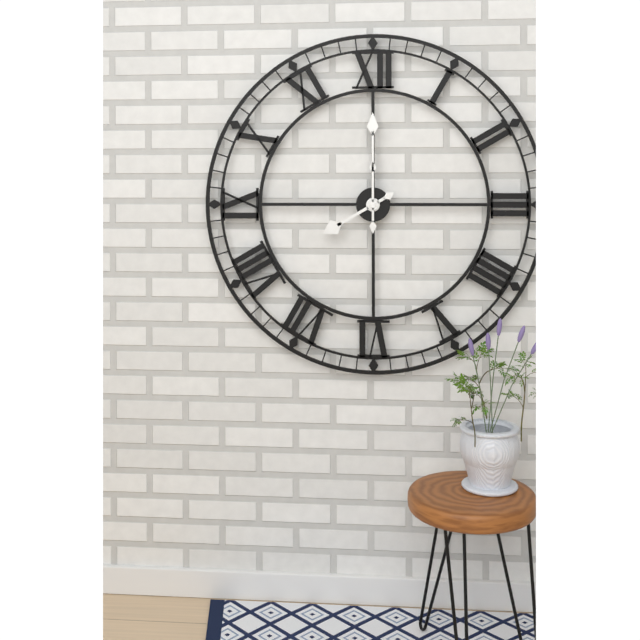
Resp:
**8:00**
